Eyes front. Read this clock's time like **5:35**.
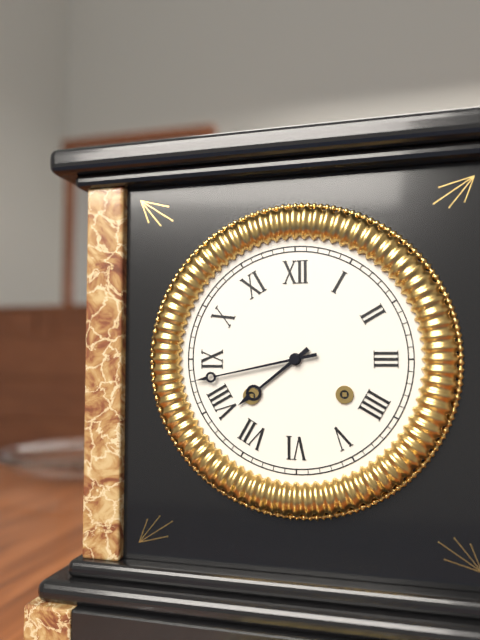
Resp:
**7:43**
